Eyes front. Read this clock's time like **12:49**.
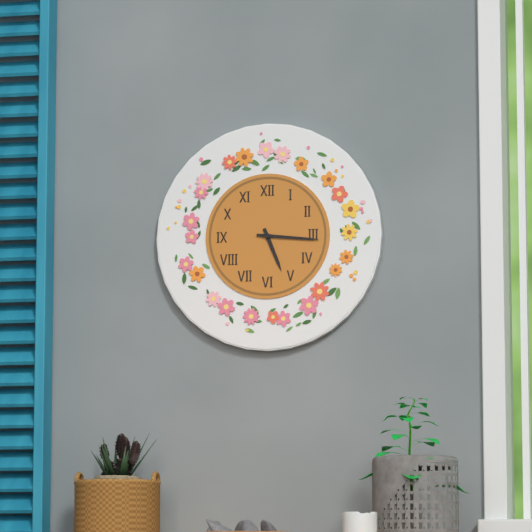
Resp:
**5:16**
